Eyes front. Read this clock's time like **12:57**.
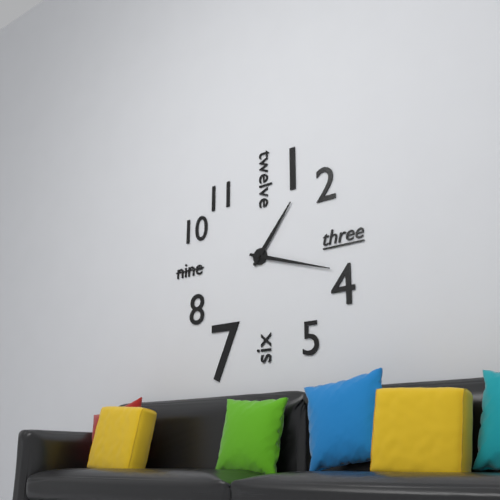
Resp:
**1:18**
